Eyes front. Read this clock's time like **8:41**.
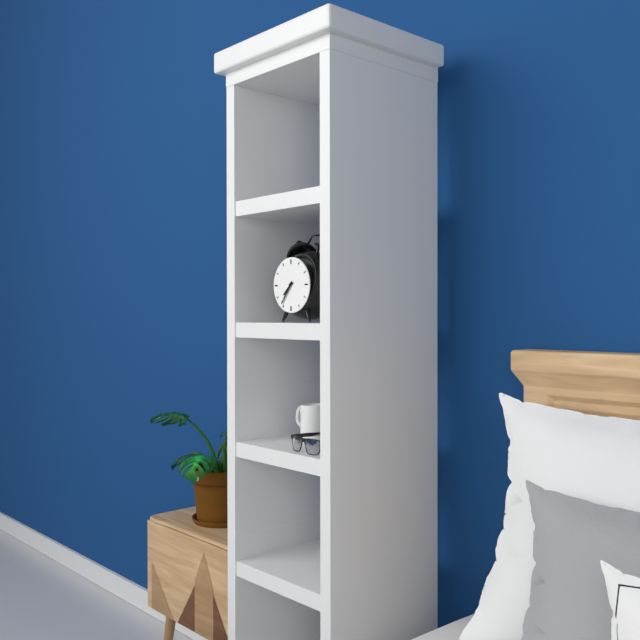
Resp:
**7:36**
